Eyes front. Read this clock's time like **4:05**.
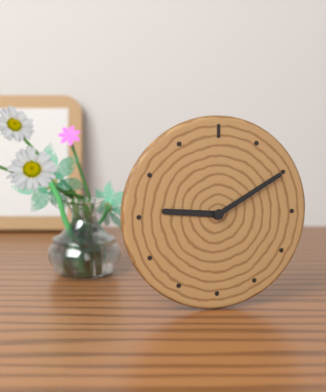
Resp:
**9:10**
